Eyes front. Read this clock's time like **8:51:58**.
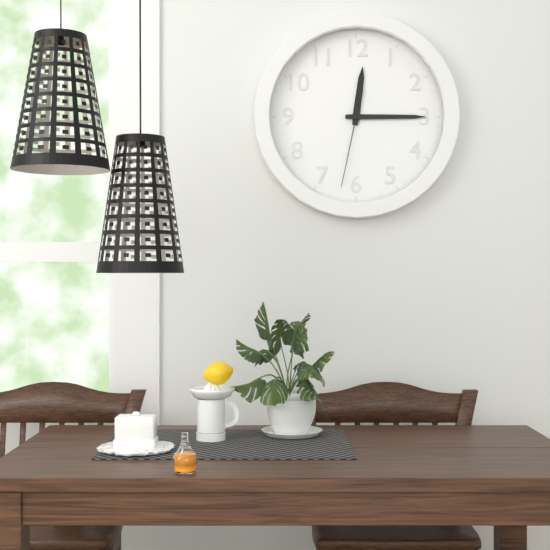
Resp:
**12:15:32**
